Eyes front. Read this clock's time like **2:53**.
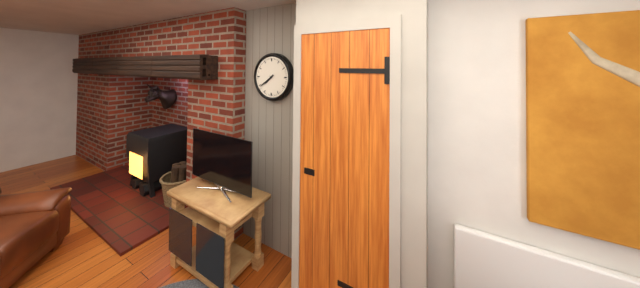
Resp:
**7:39**
